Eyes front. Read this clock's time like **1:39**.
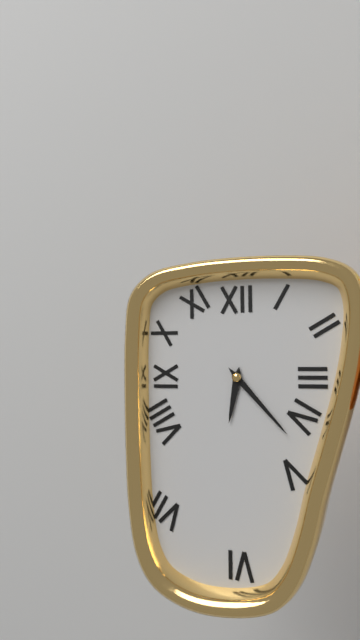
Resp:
**6:23**
